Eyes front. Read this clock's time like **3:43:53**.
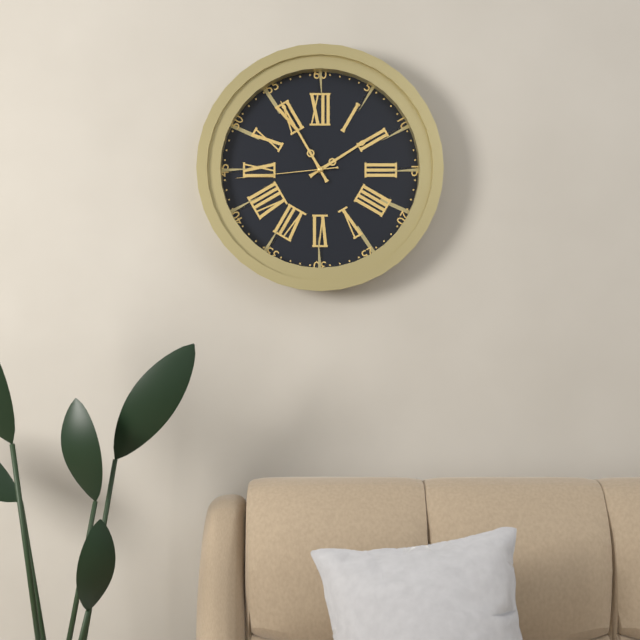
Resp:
**1:55:44**
